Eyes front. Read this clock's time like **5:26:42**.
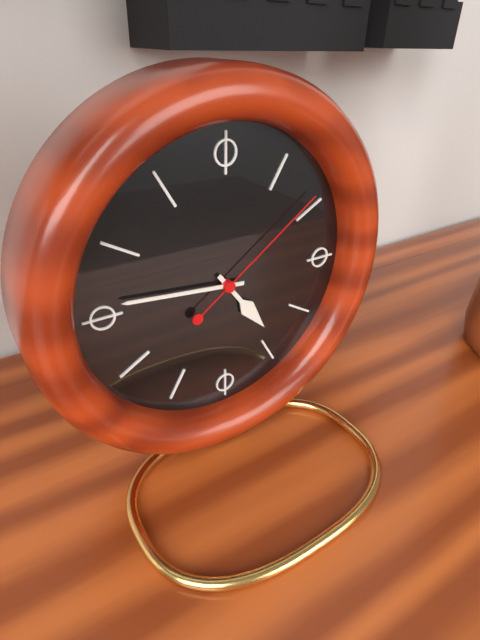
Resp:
**4:46:09**
